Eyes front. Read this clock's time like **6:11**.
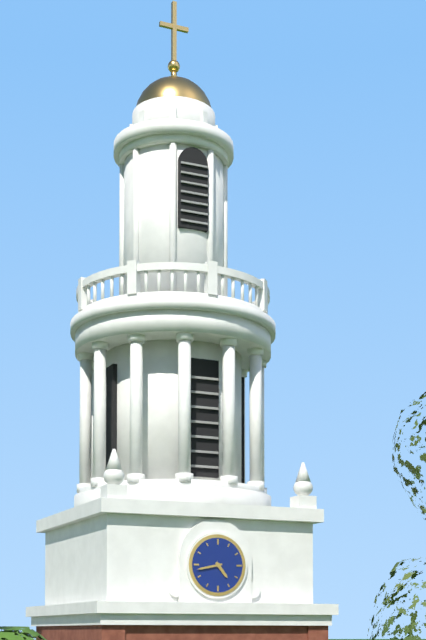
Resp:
**4:43**
